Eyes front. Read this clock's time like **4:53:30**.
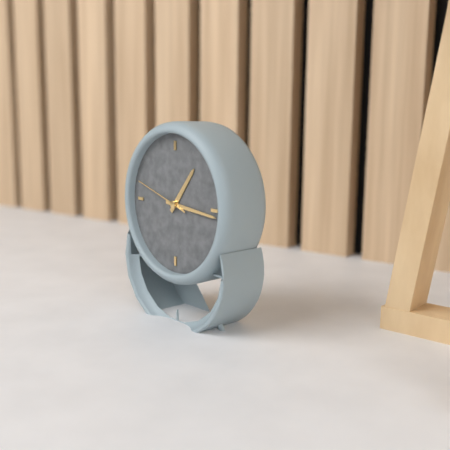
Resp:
**1:16:48**
